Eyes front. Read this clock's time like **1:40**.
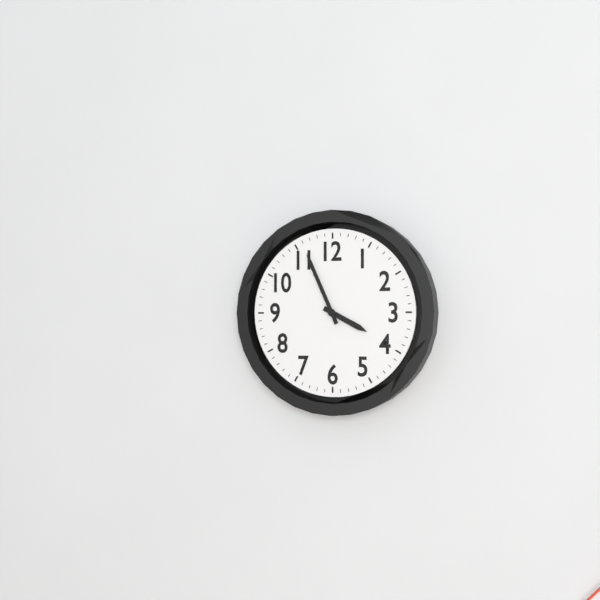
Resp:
**3:56**
